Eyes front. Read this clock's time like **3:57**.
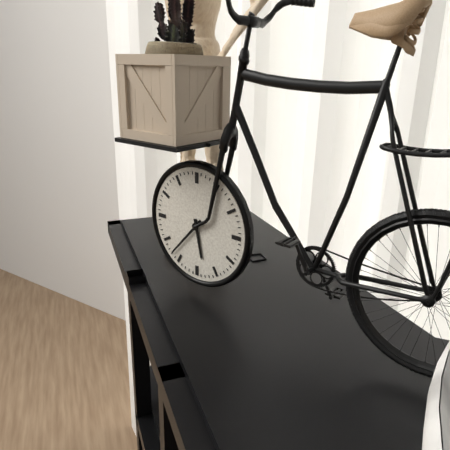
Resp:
**5:37**
